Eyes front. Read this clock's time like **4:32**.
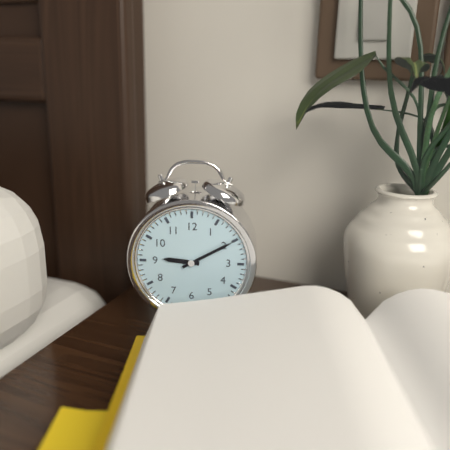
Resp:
**9:10**
